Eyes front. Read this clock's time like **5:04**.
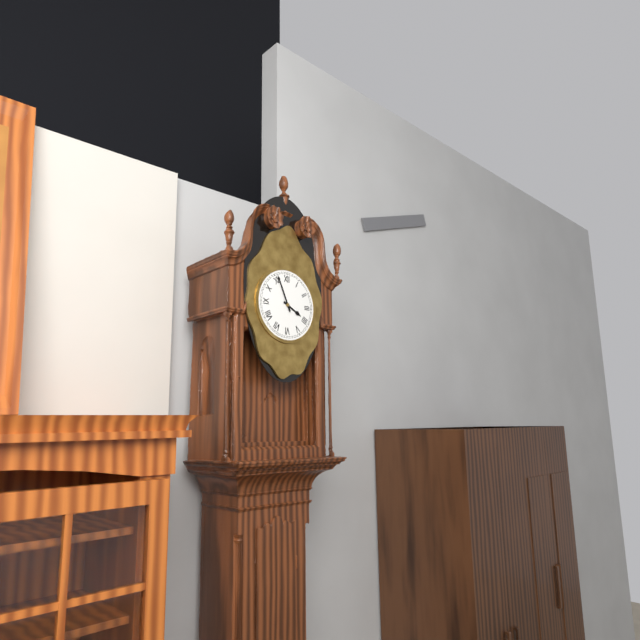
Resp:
**3:56**
